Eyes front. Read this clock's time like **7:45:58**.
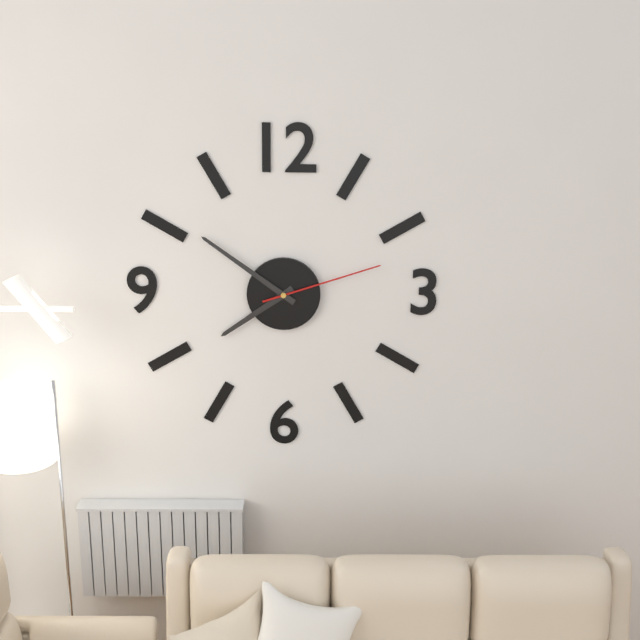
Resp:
**7:51:12**
